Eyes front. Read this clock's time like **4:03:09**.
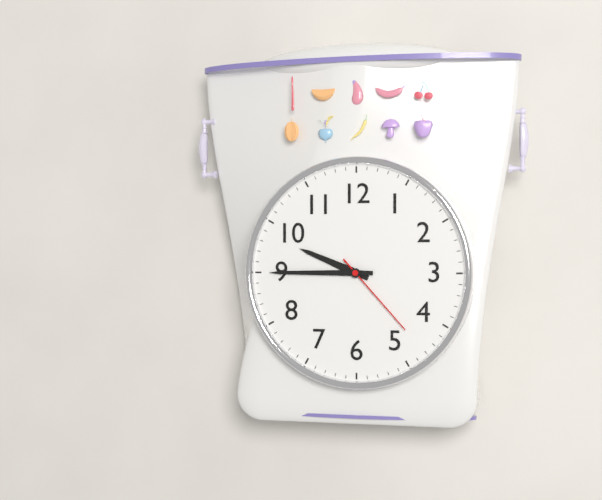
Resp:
**9:45:23**
